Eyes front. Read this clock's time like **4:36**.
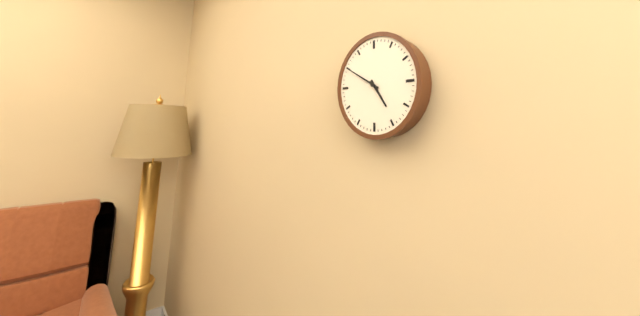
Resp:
**4:50**
